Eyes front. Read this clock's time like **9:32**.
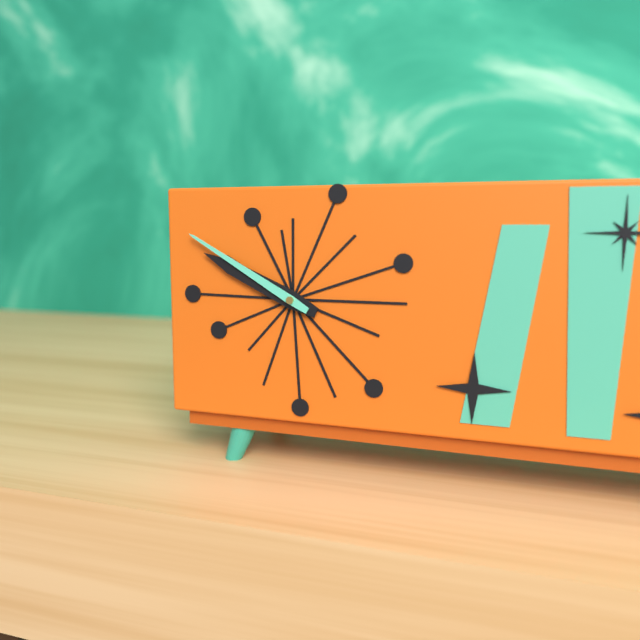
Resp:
**9:50**
